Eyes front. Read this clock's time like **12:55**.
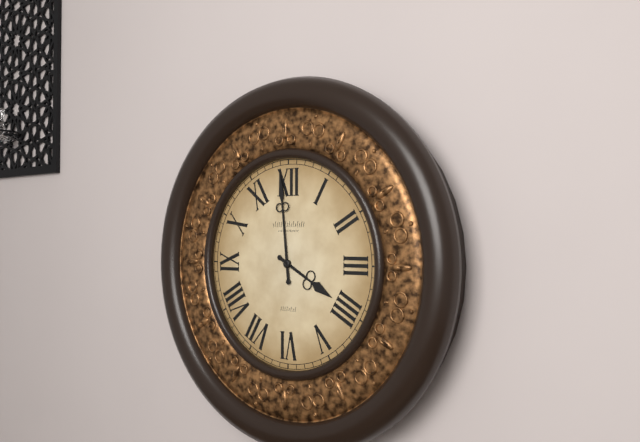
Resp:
**3:59**
